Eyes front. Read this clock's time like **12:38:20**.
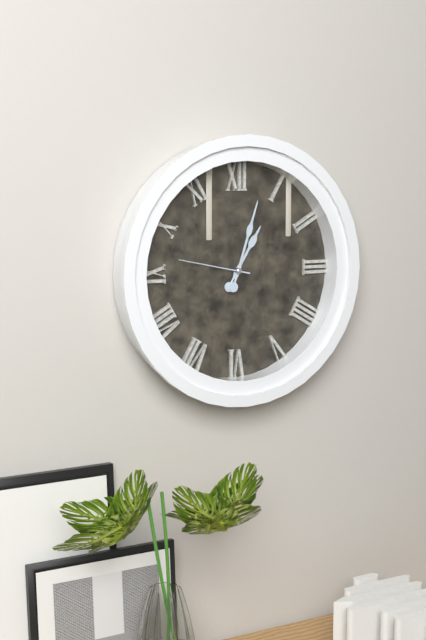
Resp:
**1:03:47**
